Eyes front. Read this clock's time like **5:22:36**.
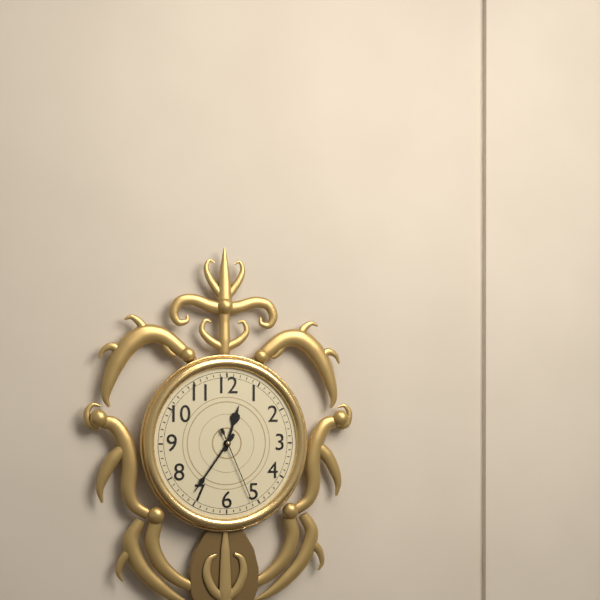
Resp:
**12:36:26**
